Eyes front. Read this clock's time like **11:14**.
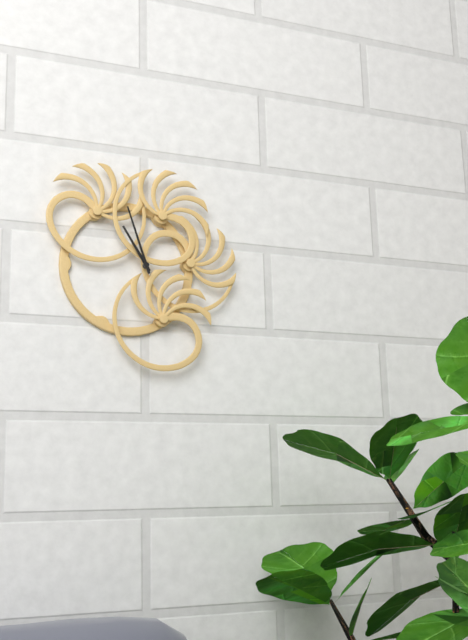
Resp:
**10:57**
